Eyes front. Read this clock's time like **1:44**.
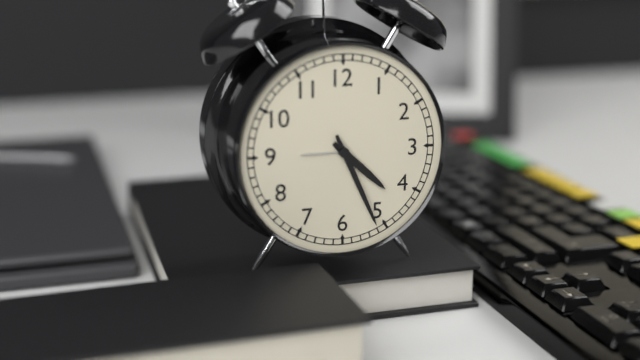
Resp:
**4:26**
